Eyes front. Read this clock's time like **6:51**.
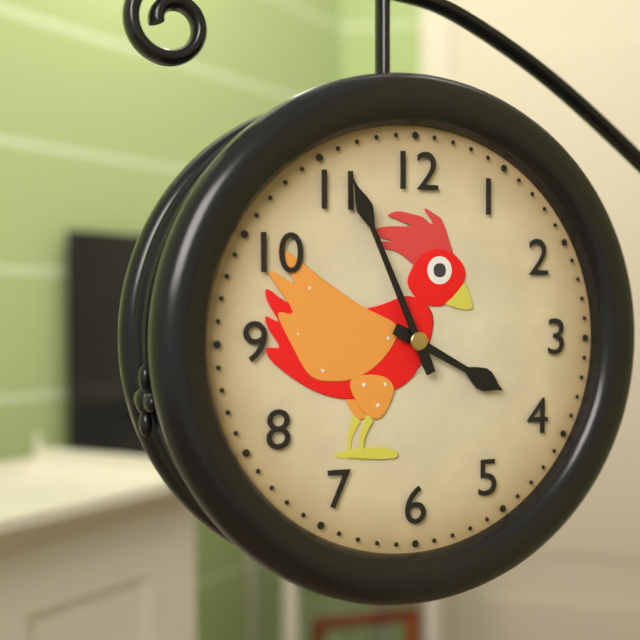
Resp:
**3:56**
